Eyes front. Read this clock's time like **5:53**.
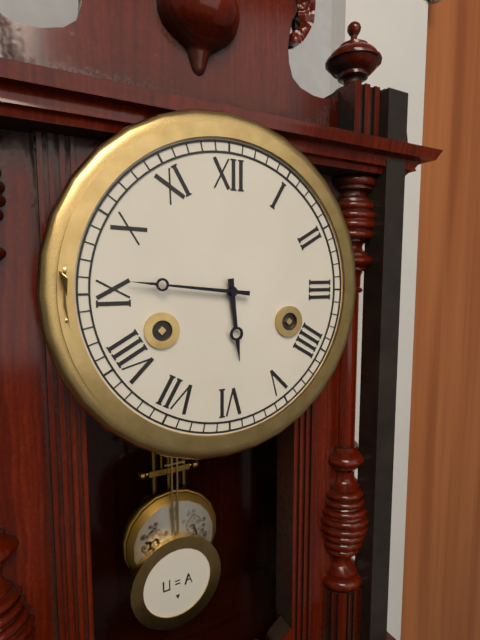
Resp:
**5:46**
